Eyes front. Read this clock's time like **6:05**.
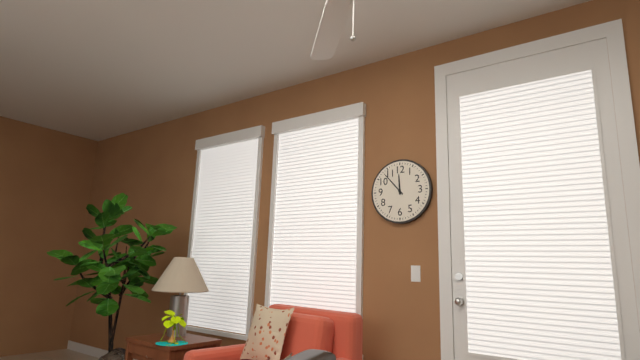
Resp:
**11:53**
